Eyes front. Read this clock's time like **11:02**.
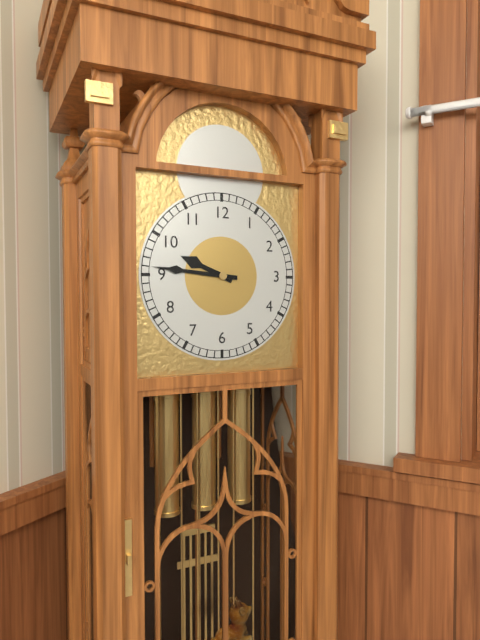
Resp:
**9:46**
